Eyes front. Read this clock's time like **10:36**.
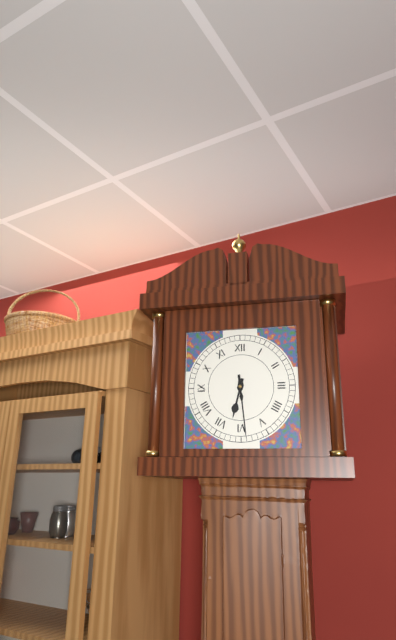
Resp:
**6:29**
